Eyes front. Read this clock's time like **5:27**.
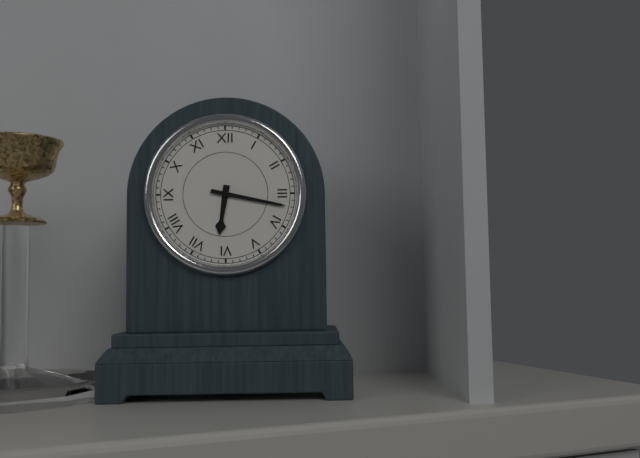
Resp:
**6:17**
